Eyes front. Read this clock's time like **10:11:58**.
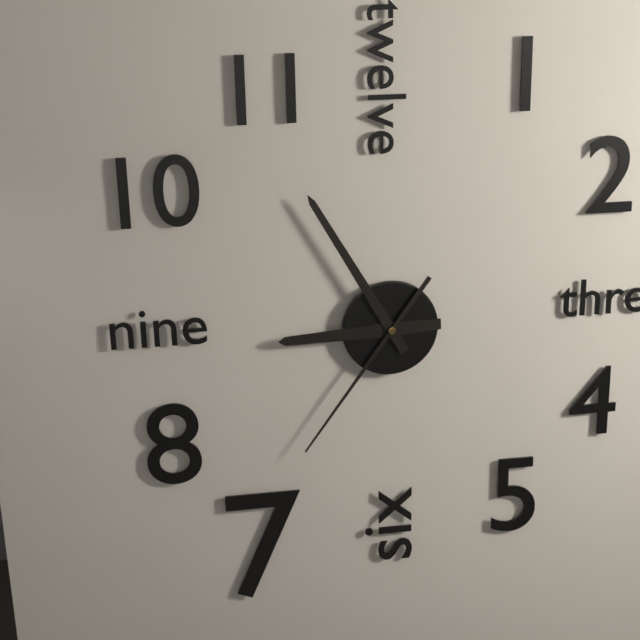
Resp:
**8:55:36**
